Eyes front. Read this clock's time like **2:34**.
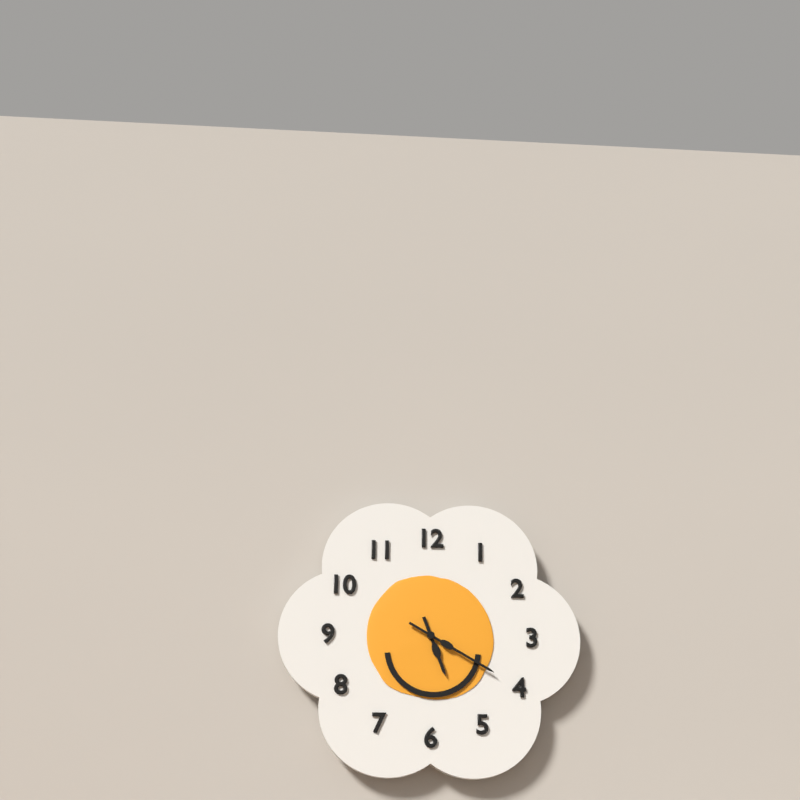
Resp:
**5:20**
